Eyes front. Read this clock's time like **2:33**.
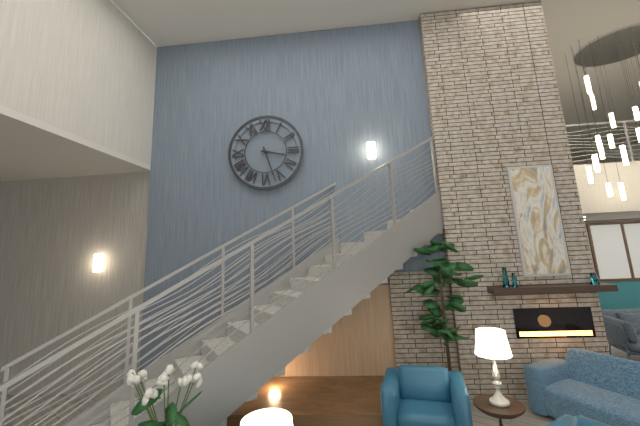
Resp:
**3:27**
